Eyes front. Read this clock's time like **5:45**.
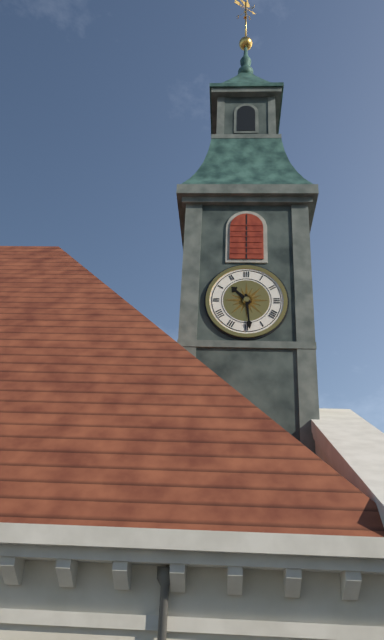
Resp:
**10:29**
